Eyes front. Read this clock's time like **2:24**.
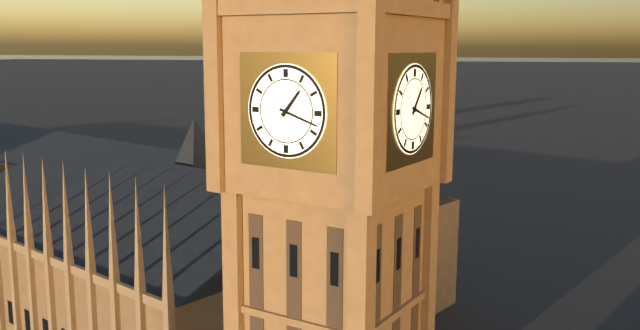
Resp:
**1:18**
